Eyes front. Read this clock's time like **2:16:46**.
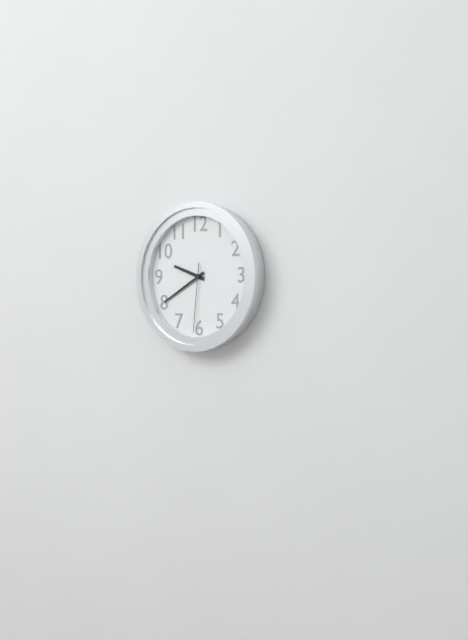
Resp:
**9:40:31**
